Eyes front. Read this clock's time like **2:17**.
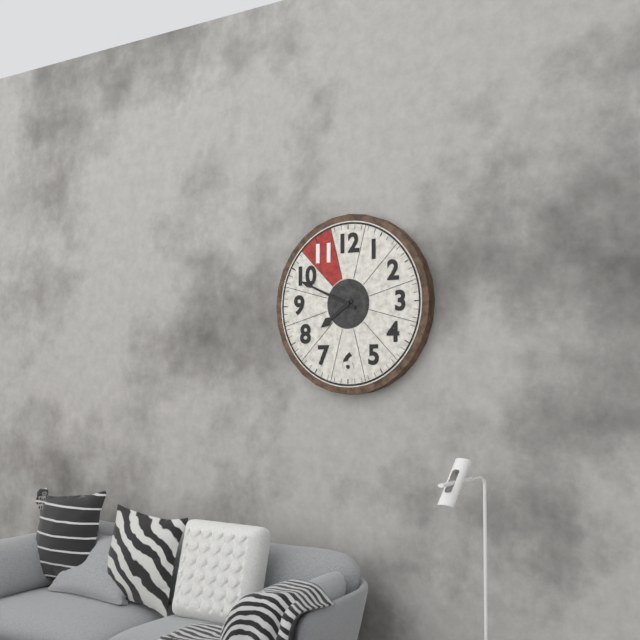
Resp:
**7:49**
